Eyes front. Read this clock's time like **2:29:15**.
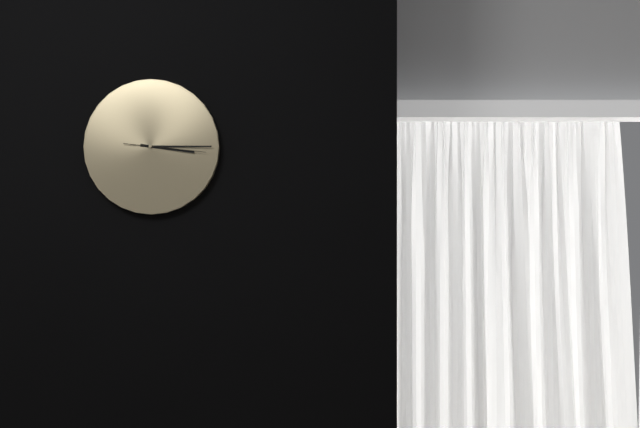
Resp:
**3:15:16**
